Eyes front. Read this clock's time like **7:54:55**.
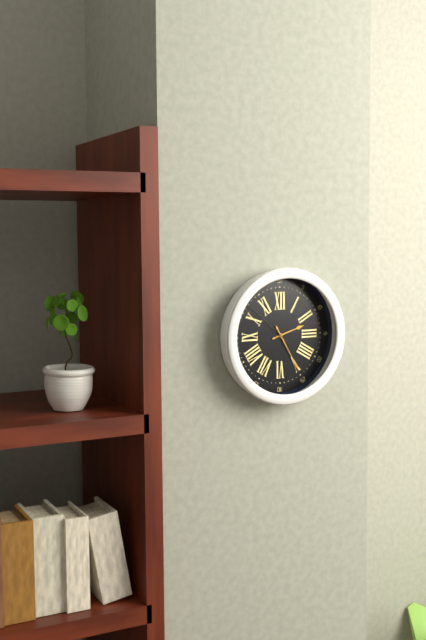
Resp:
**2:25:52**
